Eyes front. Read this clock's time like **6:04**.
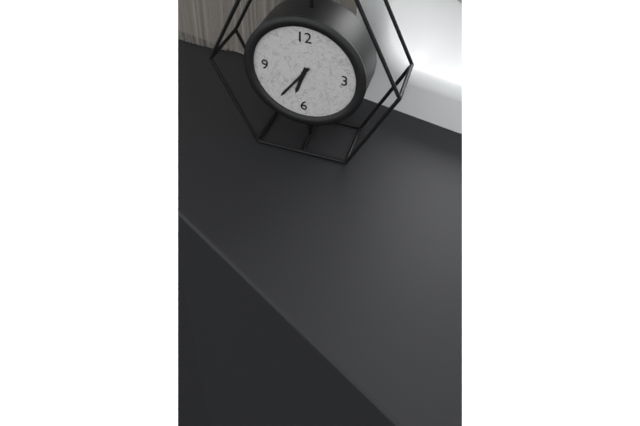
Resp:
**6:36**
